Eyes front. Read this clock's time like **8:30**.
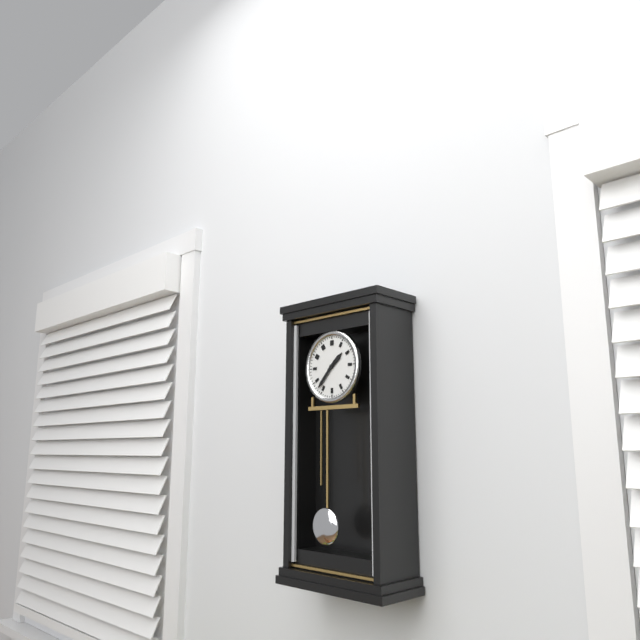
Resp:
**1:37**
